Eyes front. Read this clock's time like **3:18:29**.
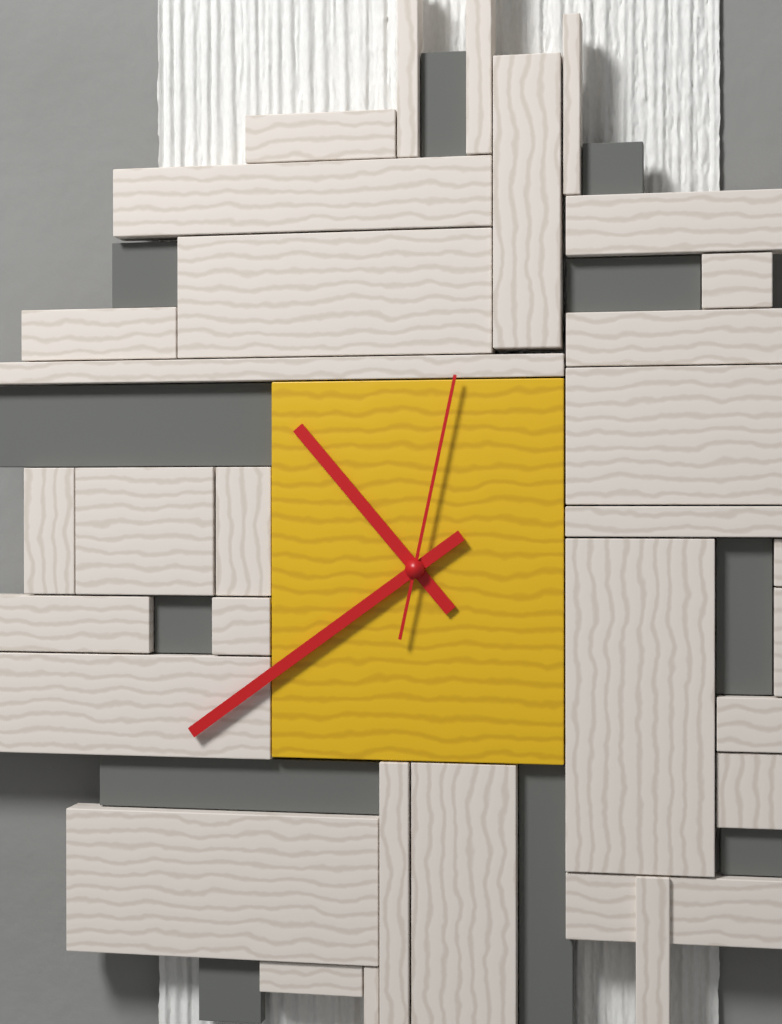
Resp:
**10:39:02**
